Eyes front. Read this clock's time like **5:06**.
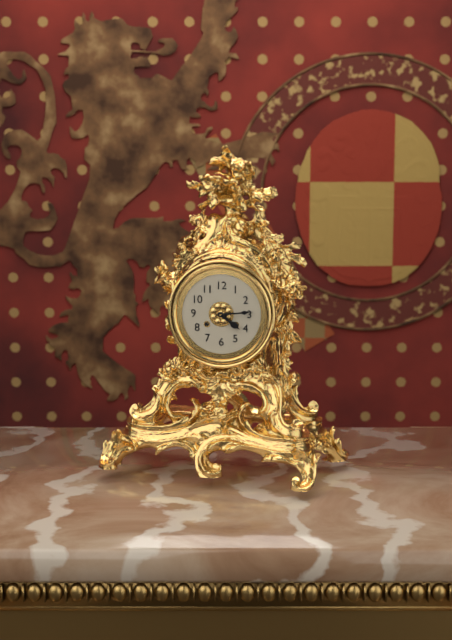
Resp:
**4:14**
